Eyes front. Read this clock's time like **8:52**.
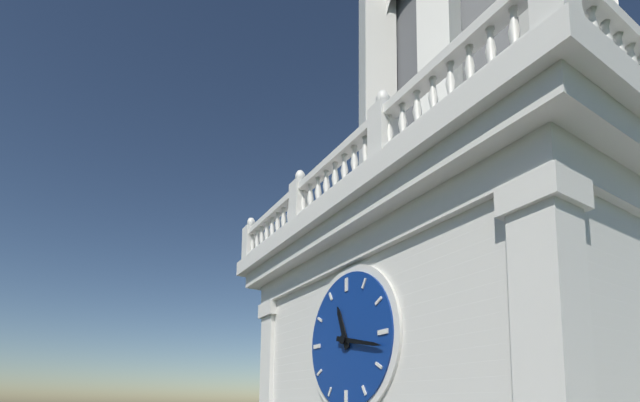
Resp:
**11:17**
